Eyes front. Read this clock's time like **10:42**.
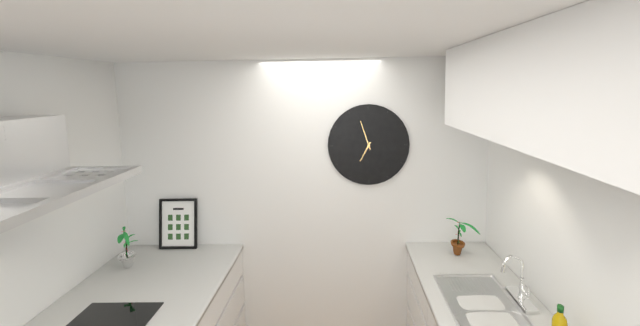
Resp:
**6:57**
